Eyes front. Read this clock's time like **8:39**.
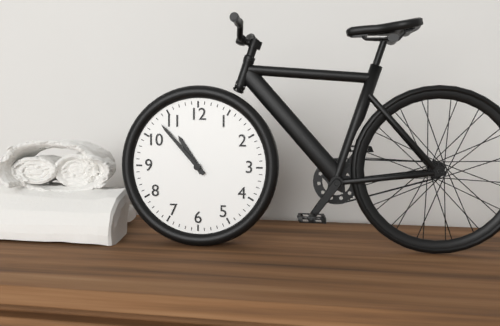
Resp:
**10:53**
